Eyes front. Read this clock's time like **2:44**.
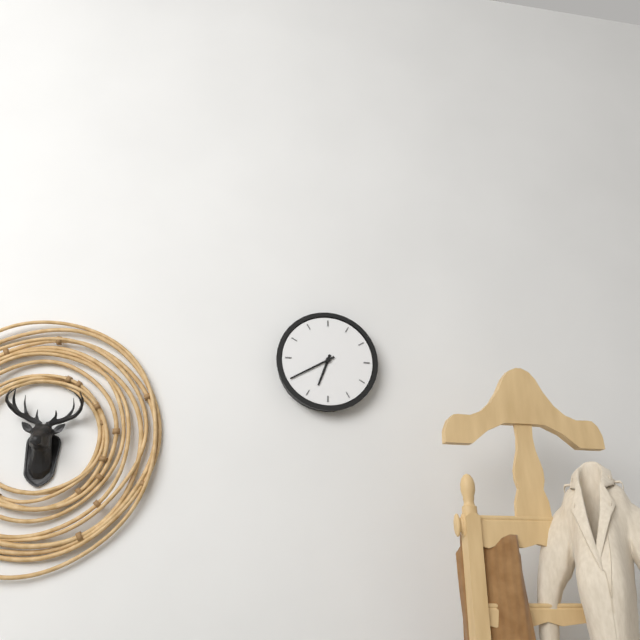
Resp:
**6:40**
